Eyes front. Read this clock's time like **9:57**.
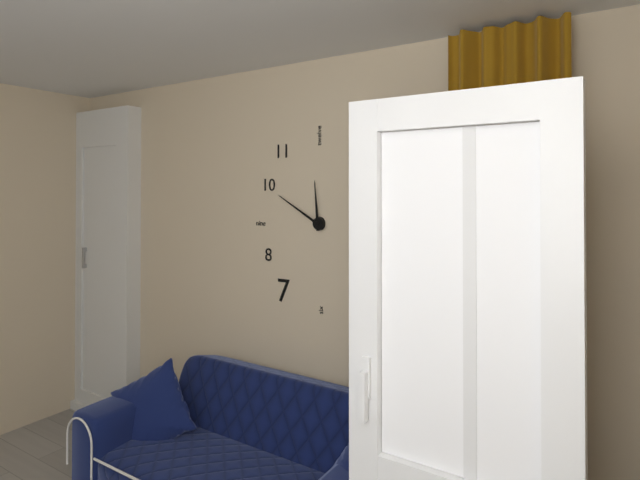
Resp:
**11:50**
